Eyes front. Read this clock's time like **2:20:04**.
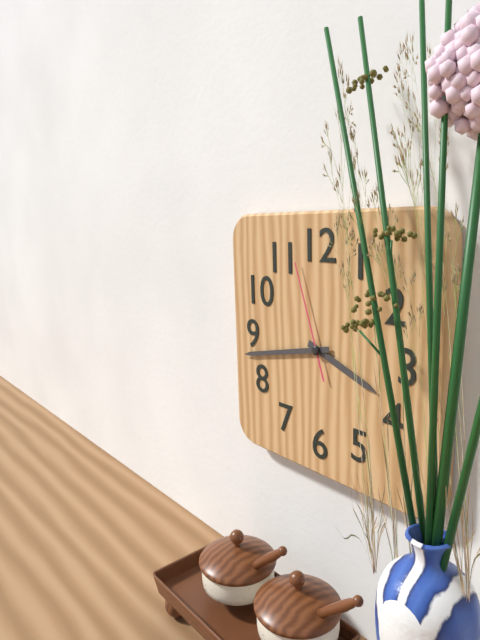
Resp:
**3:43:57**
